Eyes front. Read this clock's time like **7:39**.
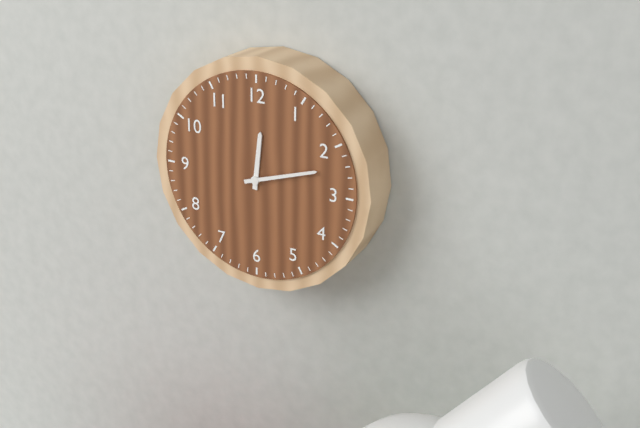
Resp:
**12:12**
